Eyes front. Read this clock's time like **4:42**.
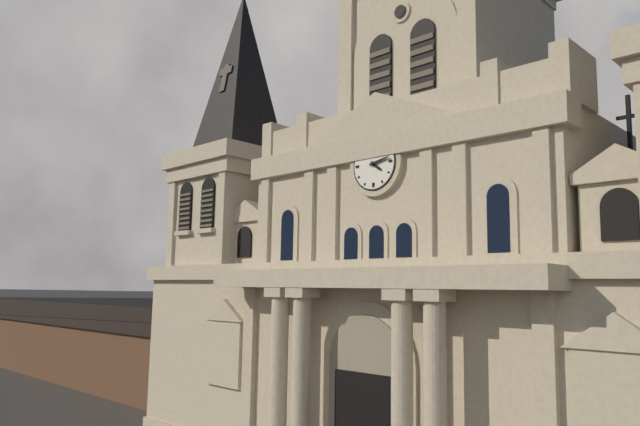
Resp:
**4:13**
